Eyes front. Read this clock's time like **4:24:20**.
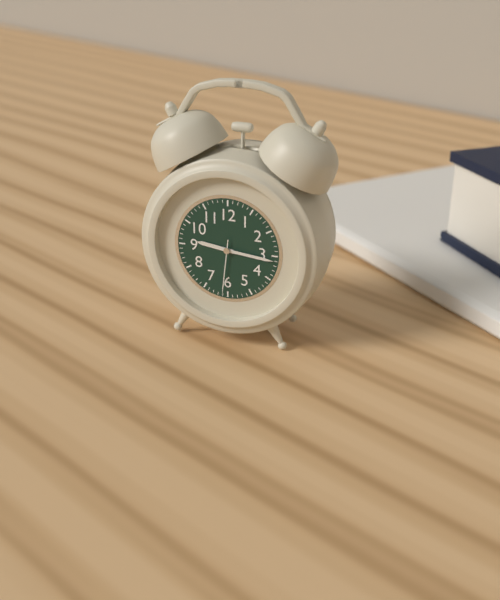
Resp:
**9:16:31**
